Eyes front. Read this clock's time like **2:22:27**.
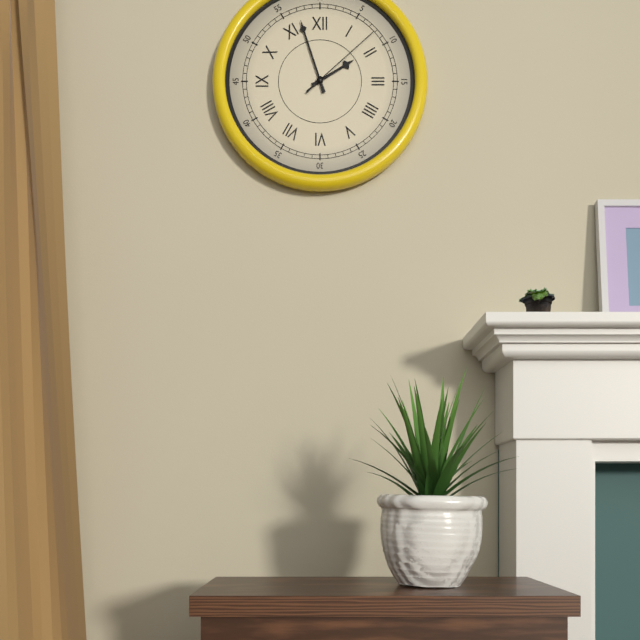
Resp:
**1:57:08**
